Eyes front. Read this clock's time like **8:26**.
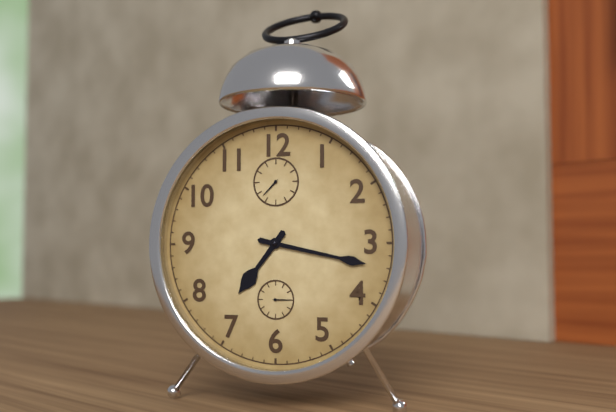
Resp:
**7:17**
